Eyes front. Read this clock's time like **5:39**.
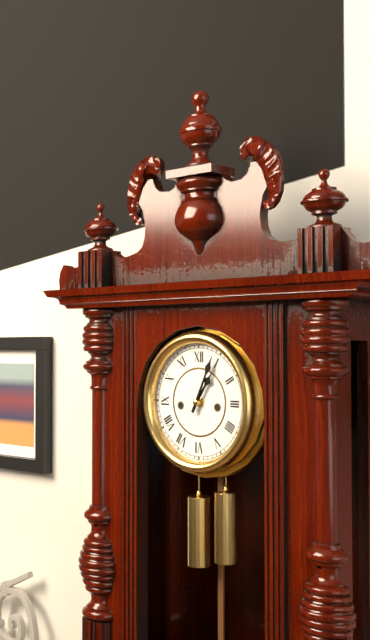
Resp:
**1:04**
